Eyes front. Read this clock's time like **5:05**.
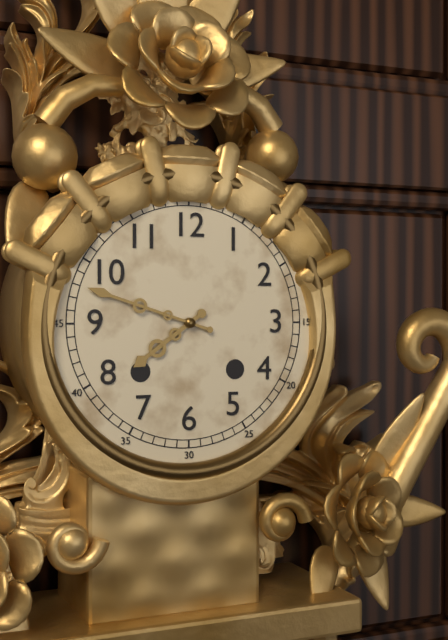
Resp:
**7:48**
